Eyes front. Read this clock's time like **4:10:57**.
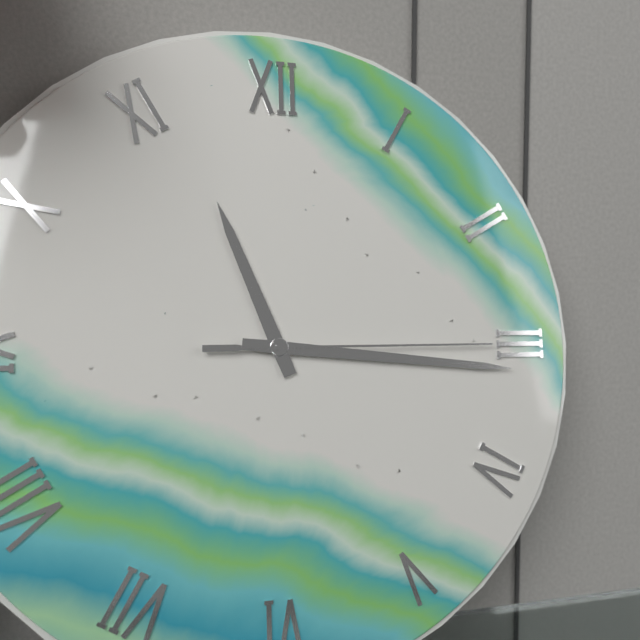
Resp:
**11:16:15**
